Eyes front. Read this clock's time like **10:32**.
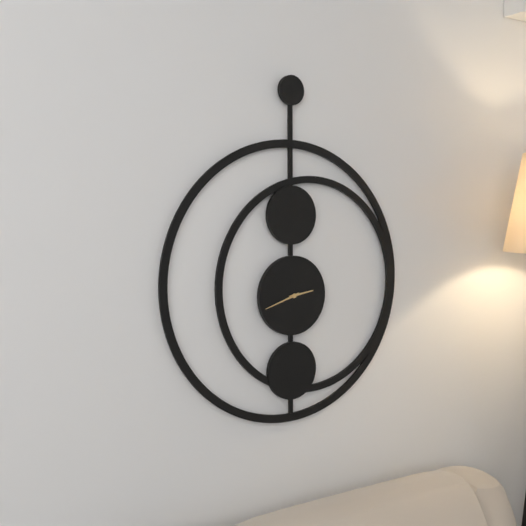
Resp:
**2:42**
